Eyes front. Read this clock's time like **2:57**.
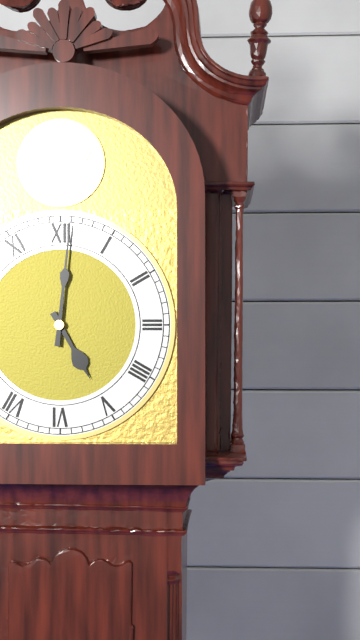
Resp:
**5:01**
